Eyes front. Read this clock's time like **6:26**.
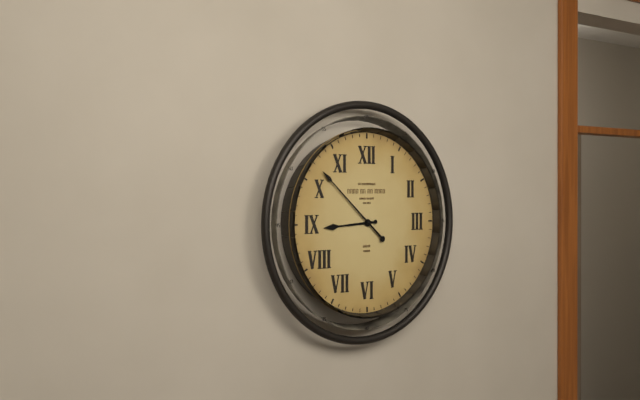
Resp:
**8:52**
